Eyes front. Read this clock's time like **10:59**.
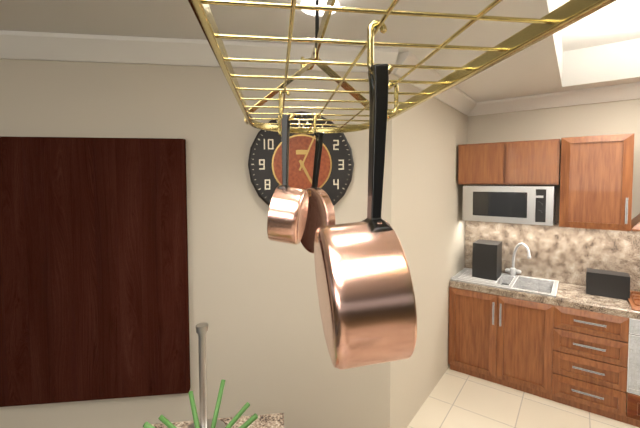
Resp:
**5:04**
